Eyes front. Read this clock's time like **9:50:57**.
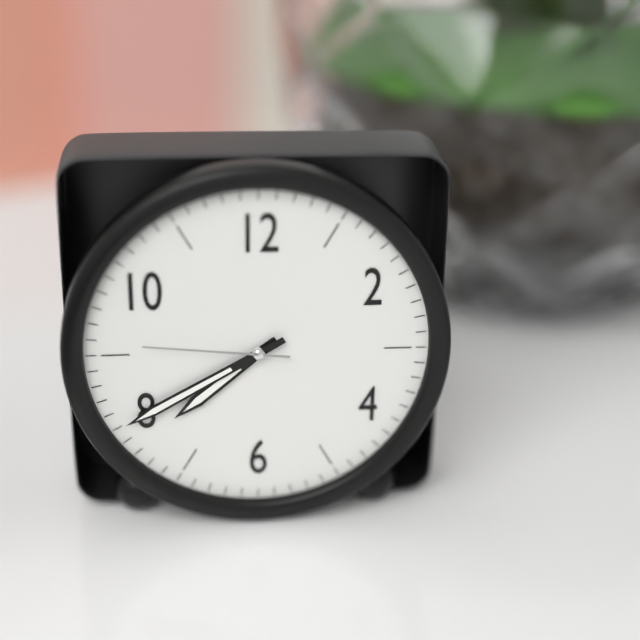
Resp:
**7:40:46**
